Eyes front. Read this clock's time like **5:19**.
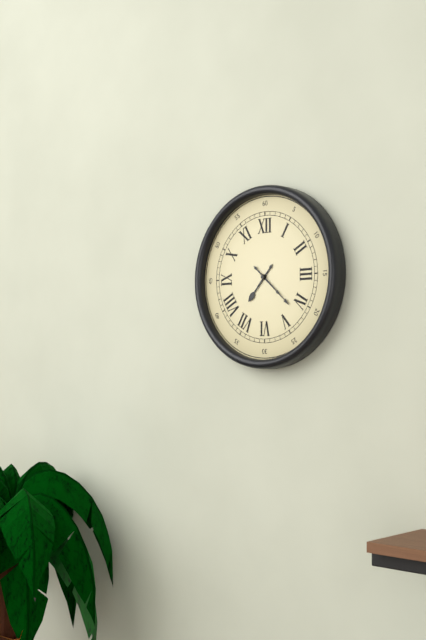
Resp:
**7:22**
